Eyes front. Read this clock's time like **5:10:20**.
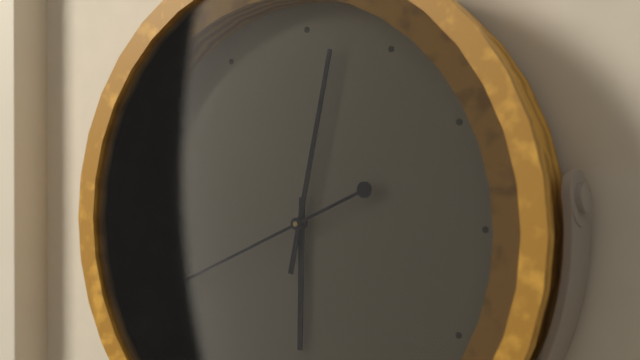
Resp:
**6:02:41**
